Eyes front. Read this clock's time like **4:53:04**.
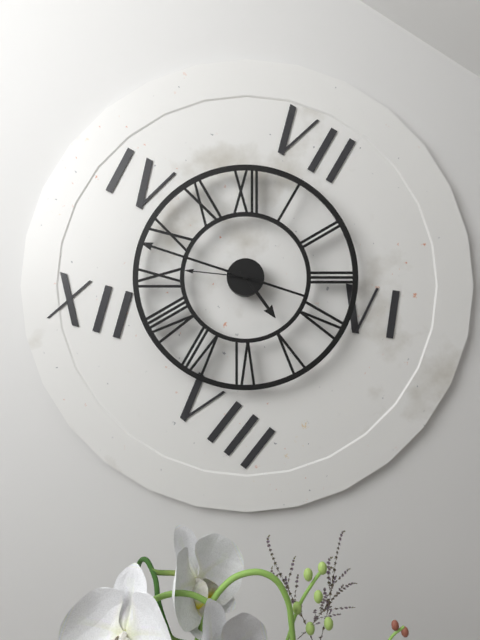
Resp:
**4:48:46**
